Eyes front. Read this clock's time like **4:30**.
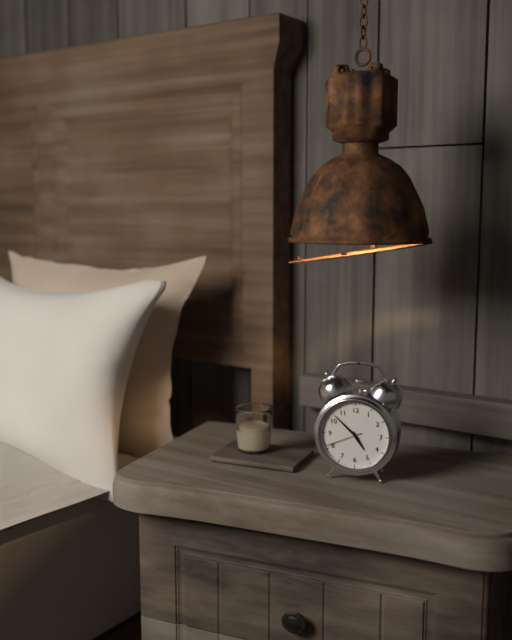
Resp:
**4:52**
